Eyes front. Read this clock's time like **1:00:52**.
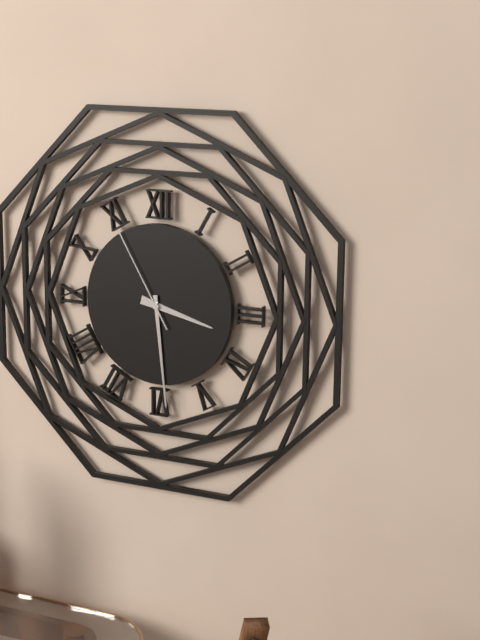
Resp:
**3:29:55**
